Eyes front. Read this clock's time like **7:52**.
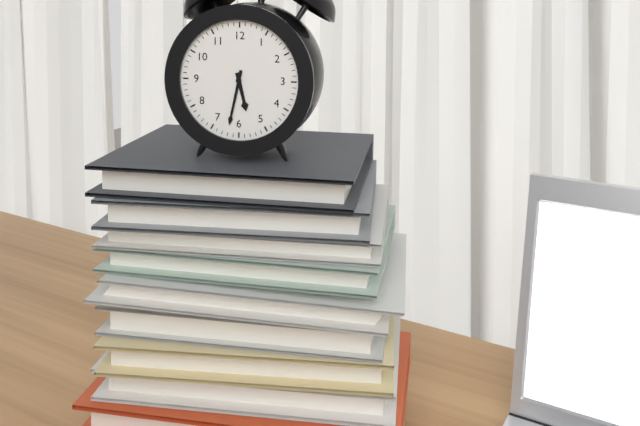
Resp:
**5:32**
